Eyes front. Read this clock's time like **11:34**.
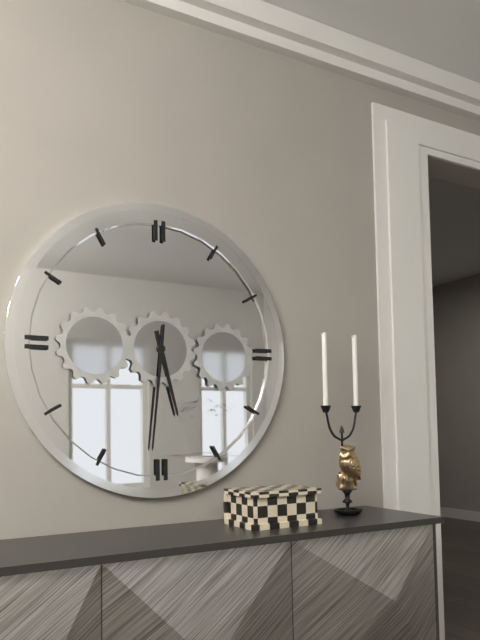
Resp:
**5:31**
